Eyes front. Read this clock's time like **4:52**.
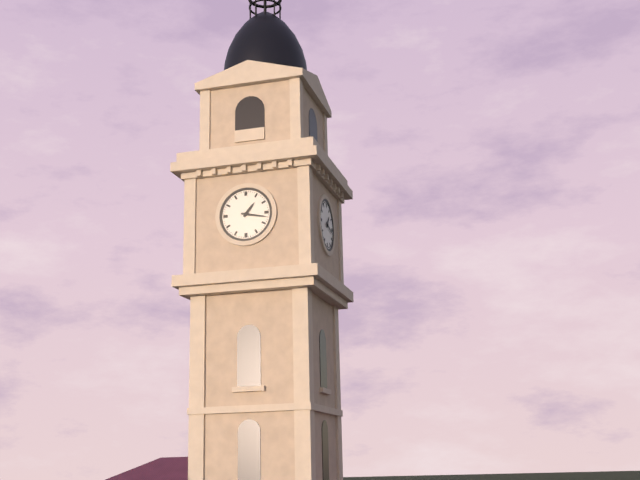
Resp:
**1:17**
